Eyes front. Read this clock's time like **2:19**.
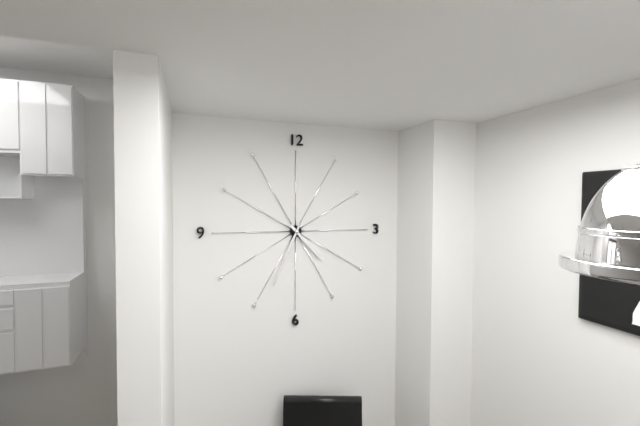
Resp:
**4:34**
